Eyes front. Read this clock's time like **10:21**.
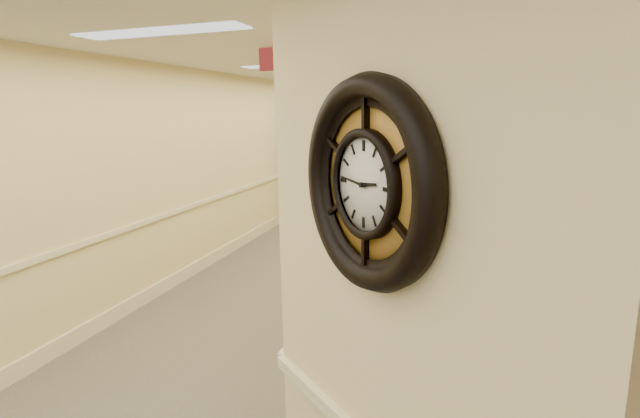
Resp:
**2:46**
